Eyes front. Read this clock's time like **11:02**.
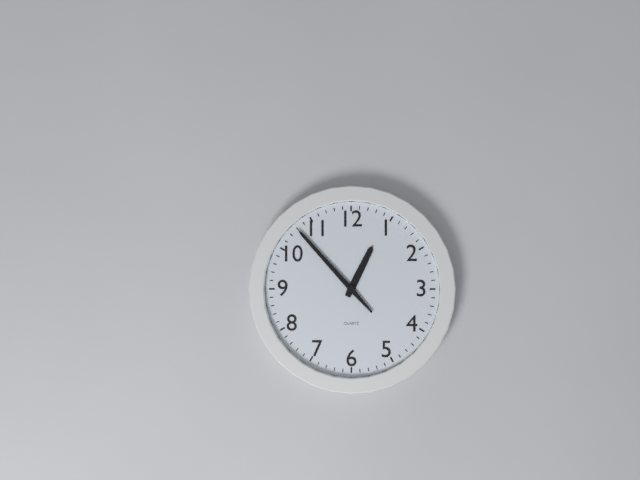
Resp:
**12:53**
